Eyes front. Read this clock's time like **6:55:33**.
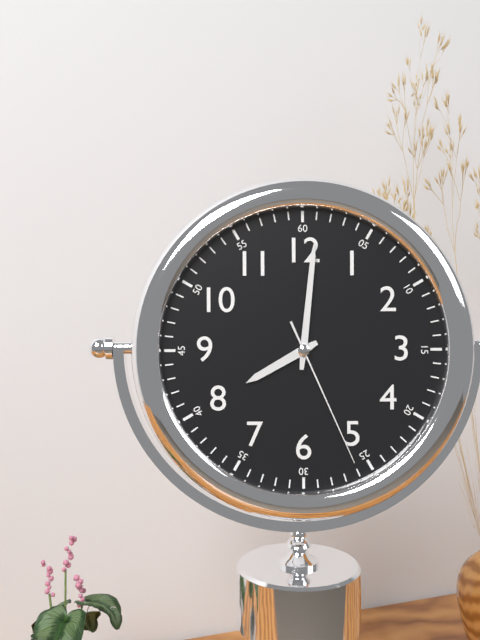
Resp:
**8:01:26**
